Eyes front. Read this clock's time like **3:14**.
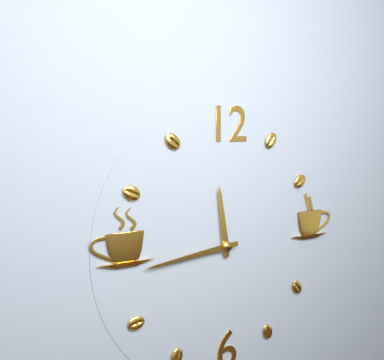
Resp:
**11:44**
